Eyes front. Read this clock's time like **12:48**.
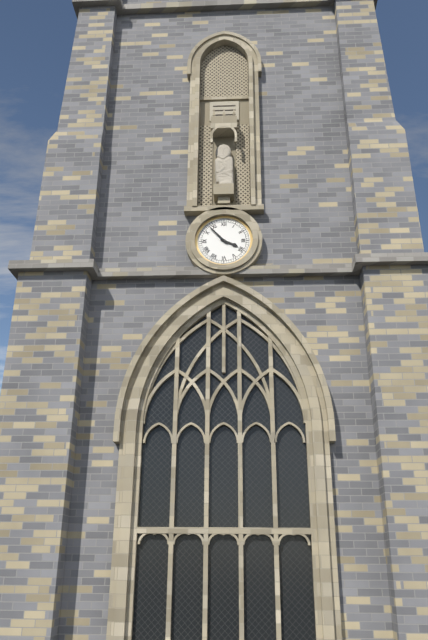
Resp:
**3:53**
